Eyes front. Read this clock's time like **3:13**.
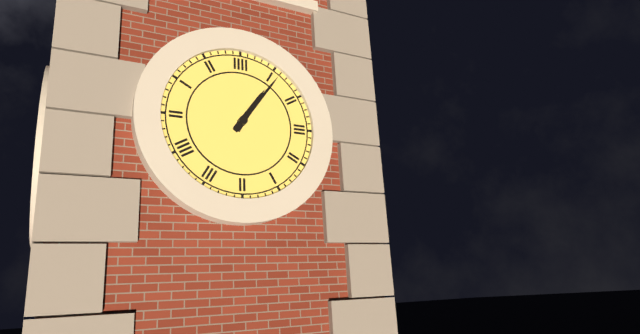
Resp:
**1:06**
